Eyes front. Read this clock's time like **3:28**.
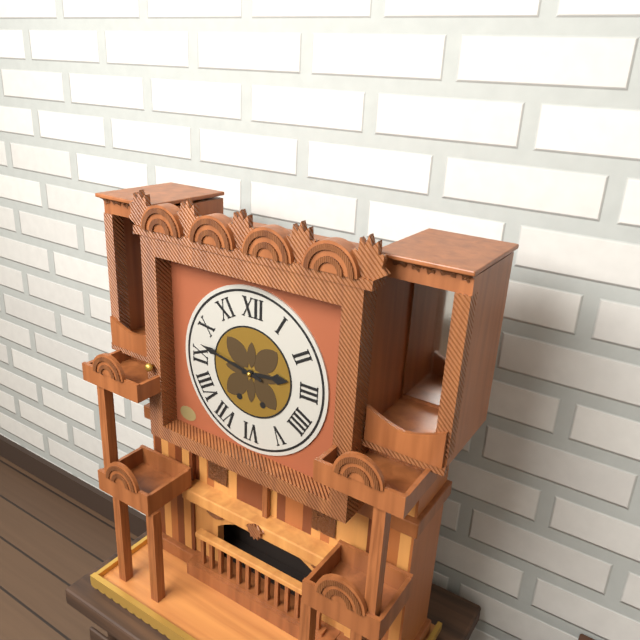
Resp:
**2:47**
